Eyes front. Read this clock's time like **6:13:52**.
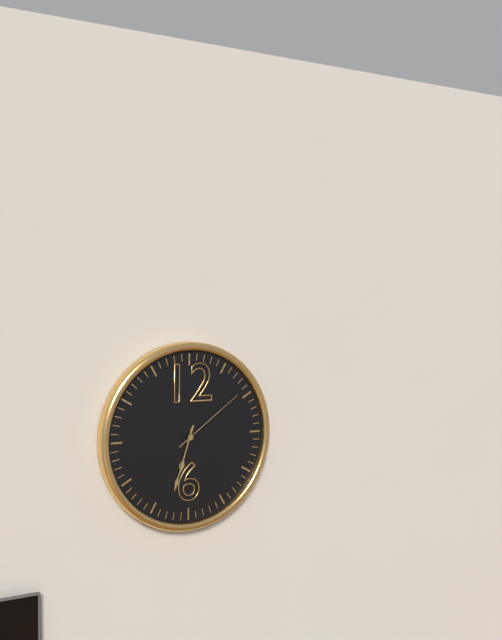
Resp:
**6:33:09**
